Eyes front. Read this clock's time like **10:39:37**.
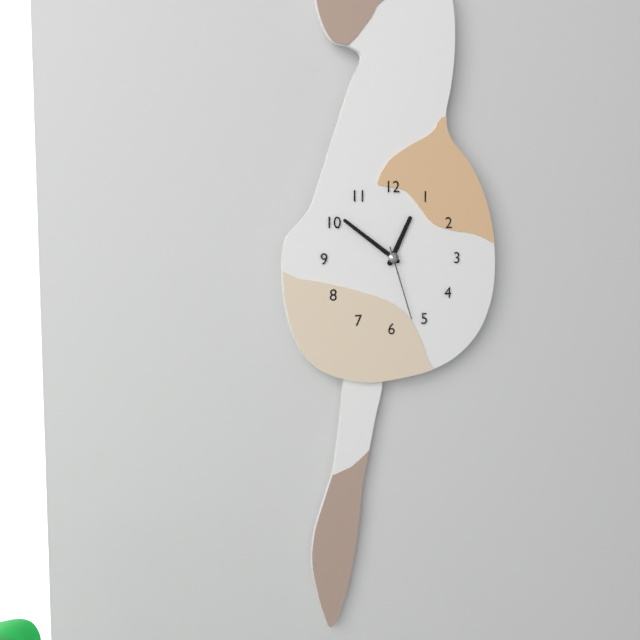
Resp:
**12:51:27**
